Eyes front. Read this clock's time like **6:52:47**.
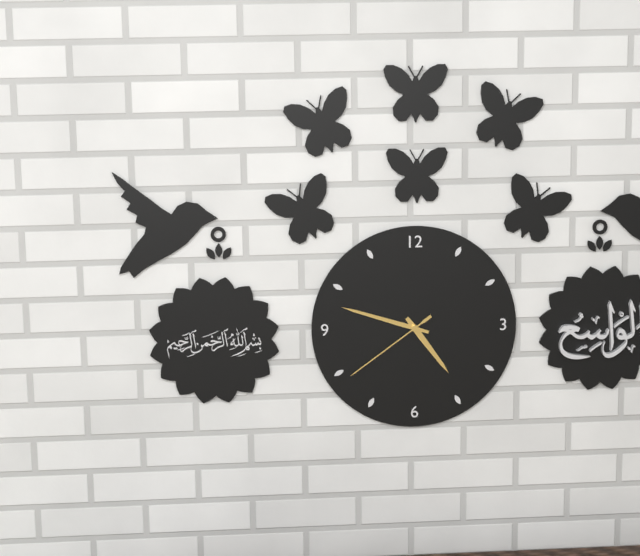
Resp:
**4:48:39**
